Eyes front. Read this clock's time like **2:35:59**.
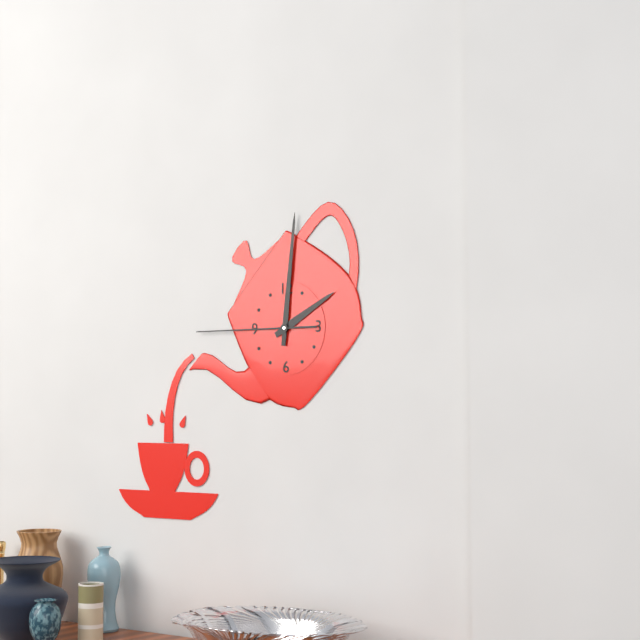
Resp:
**2:01:45**
